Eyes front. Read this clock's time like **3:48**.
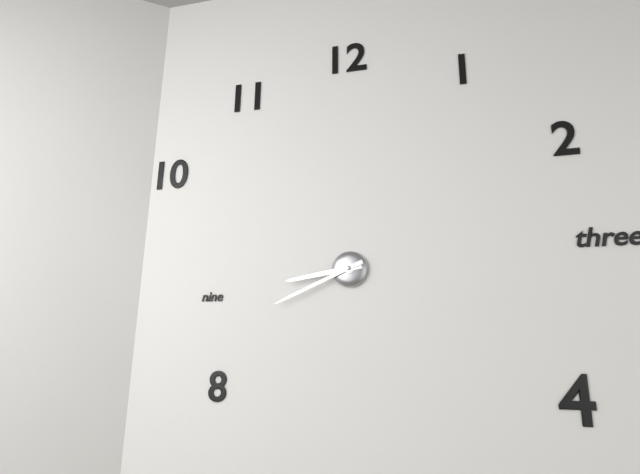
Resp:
**8:41**
